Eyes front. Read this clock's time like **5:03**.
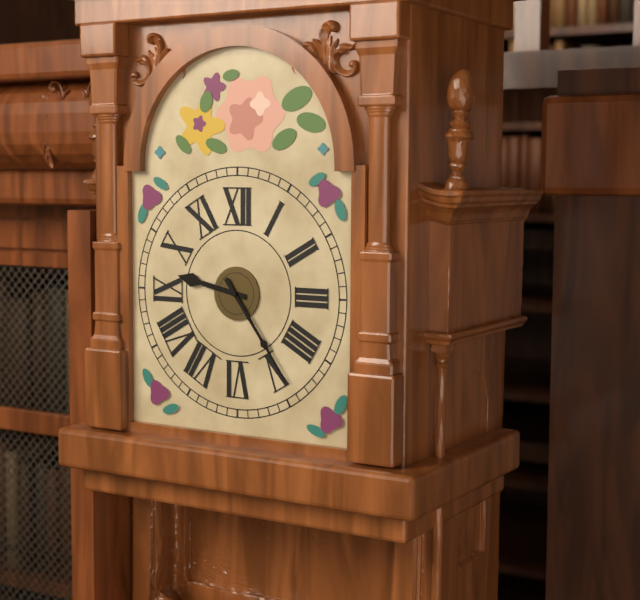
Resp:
**9:24**
